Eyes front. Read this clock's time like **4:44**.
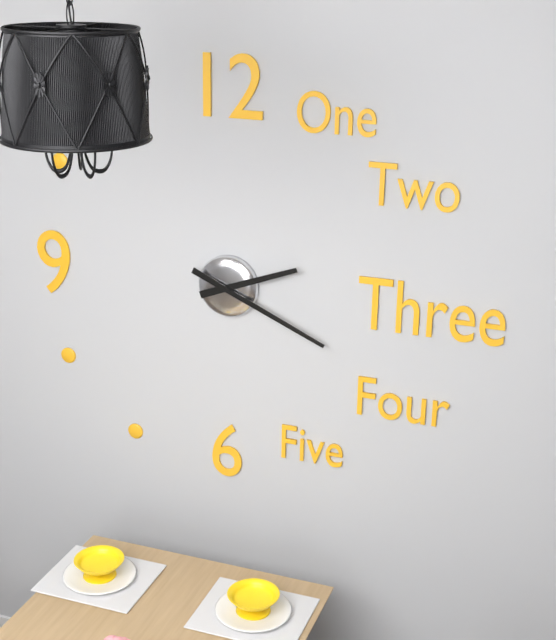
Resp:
**2:19**
